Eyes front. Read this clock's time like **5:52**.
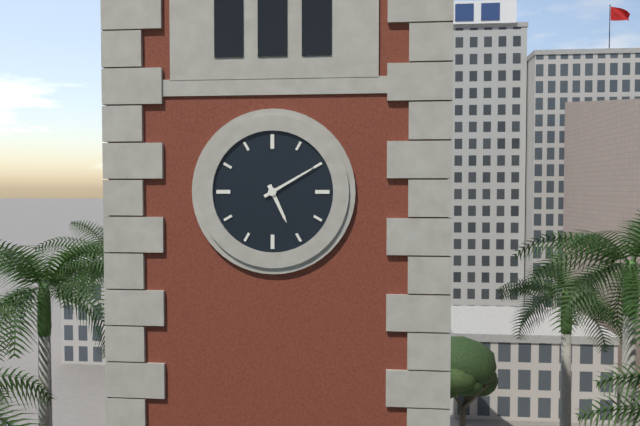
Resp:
**5:10**
